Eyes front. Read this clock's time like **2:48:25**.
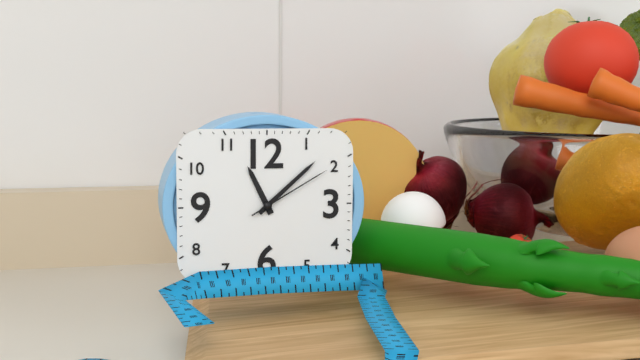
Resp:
**11:08:10**
